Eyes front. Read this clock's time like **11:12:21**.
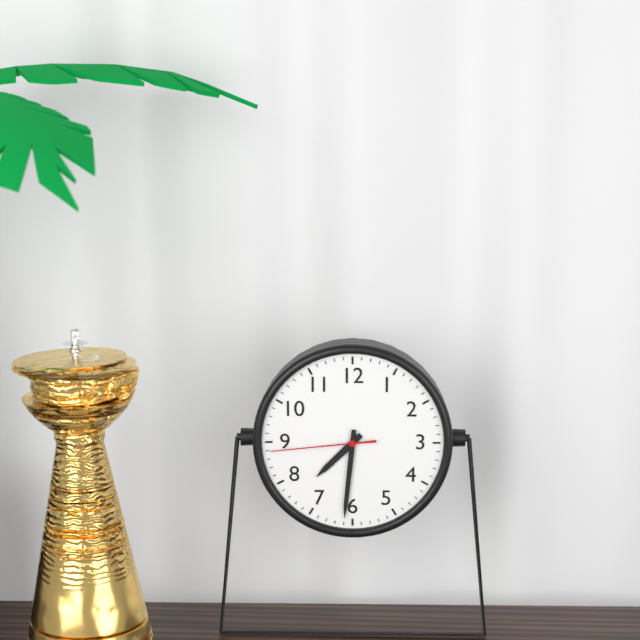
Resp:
**7:31:44**
